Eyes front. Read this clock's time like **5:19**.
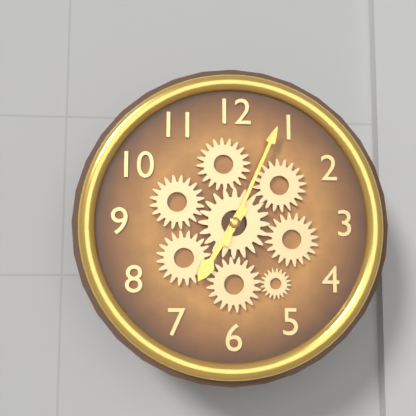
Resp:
**7:04**
